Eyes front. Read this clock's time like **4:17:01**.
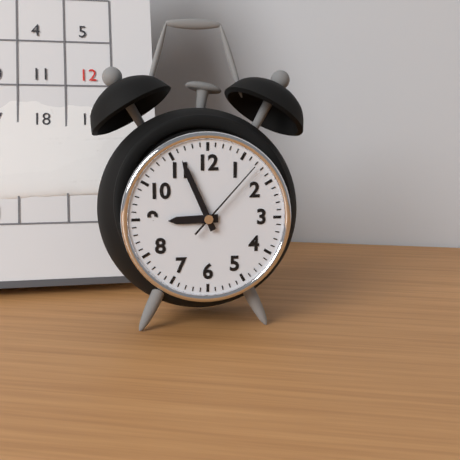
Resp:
**8:56:07**
